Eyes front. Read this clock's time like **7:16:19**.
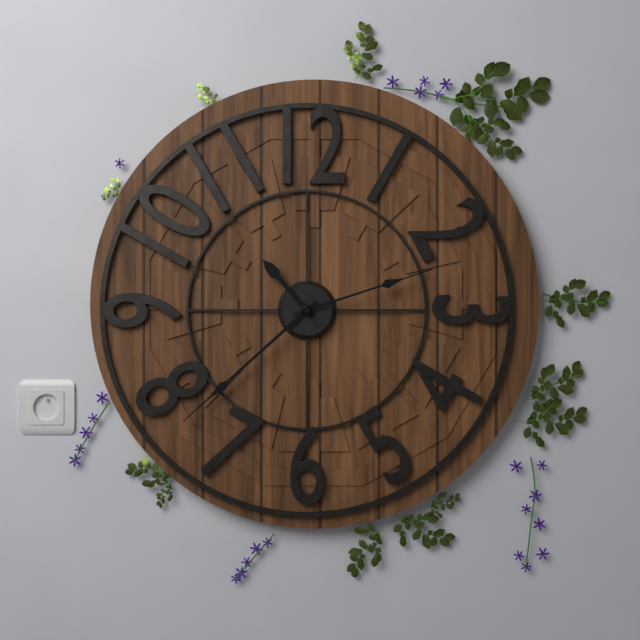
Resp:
**10:38:12**
